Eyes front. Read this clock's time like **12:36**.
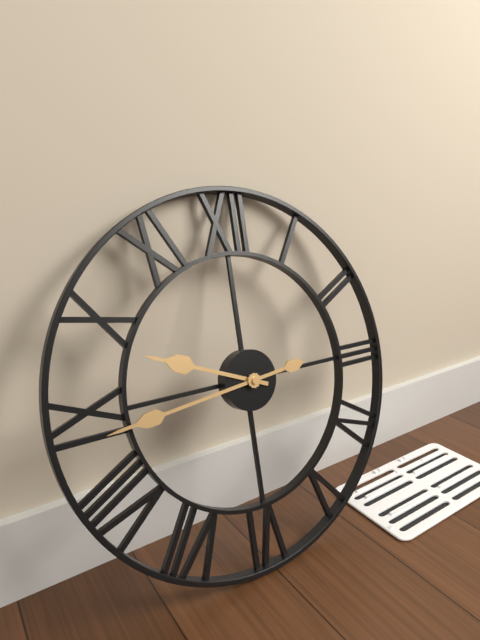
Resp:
**9:44**
